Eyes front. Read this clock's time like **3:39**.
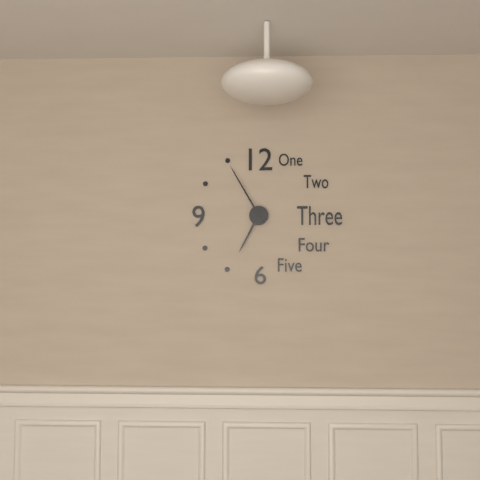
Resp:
**6:55**
